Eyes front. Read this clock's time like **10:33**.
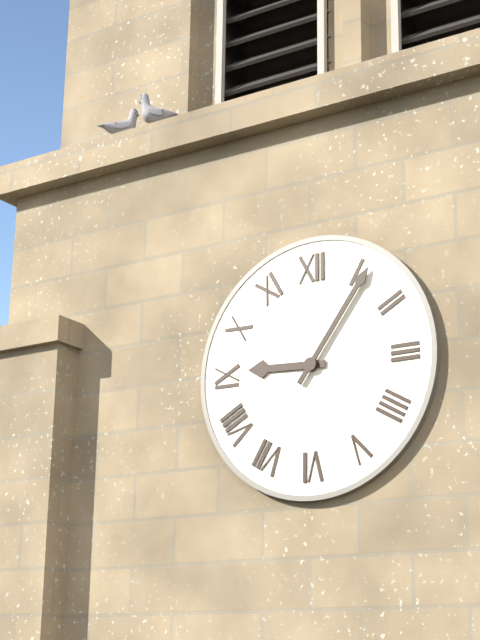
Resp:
**9:06**
